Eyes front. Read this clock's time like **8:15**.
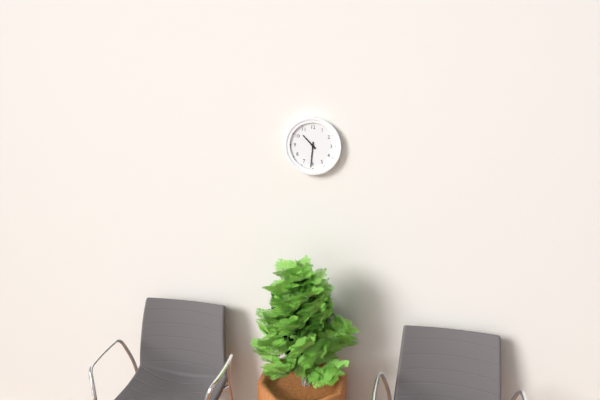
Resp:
**10:31**
